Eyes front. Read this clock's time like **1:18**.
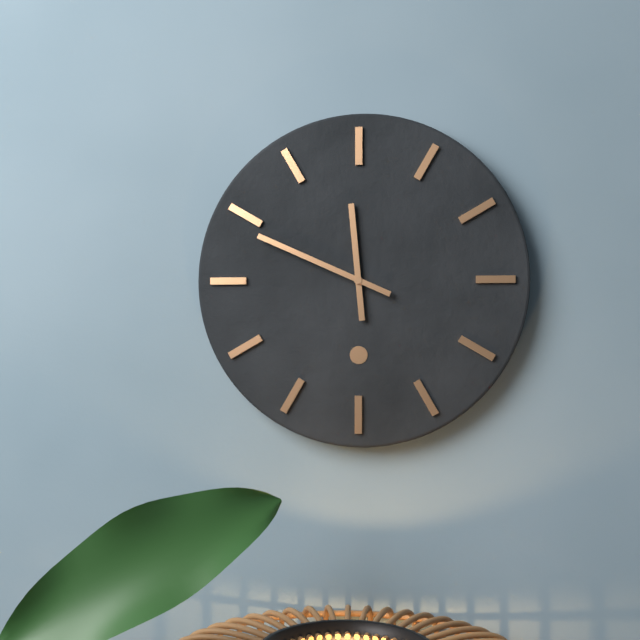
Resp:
**11:49**
